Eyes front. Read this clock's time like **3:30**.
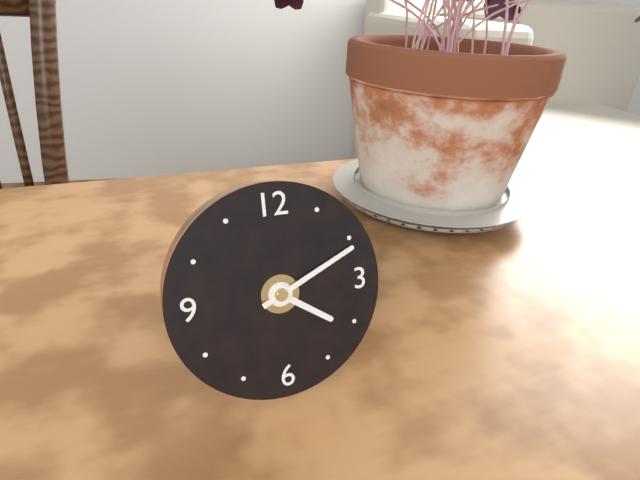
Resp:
**4:11**
